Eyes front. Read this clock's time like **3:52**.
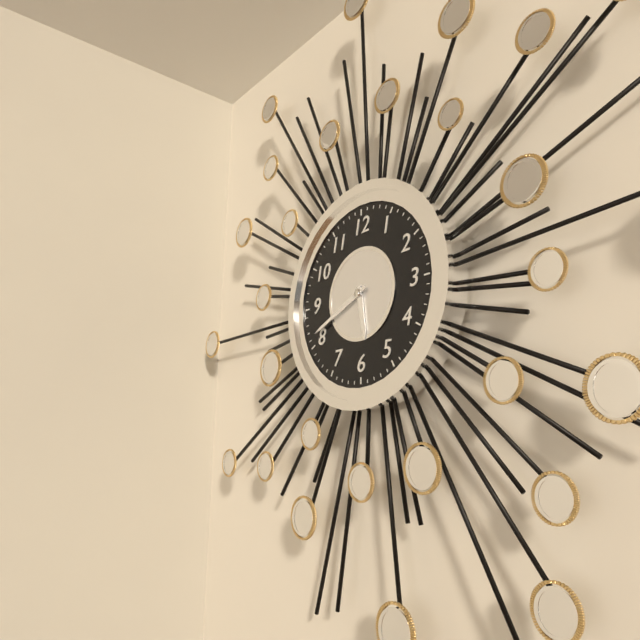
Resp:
**5:41**
